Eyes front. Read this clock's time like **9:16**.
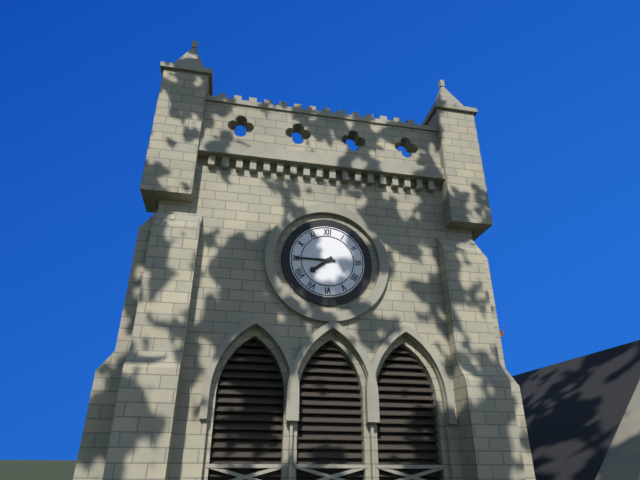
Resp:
**7:45**
